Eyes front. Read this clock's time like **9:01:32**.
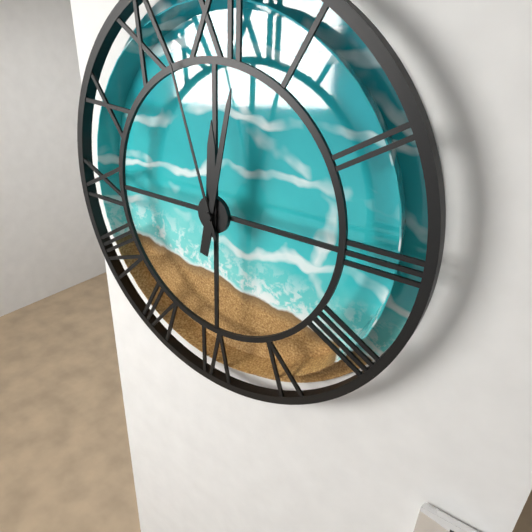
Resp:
**12:02:57**
